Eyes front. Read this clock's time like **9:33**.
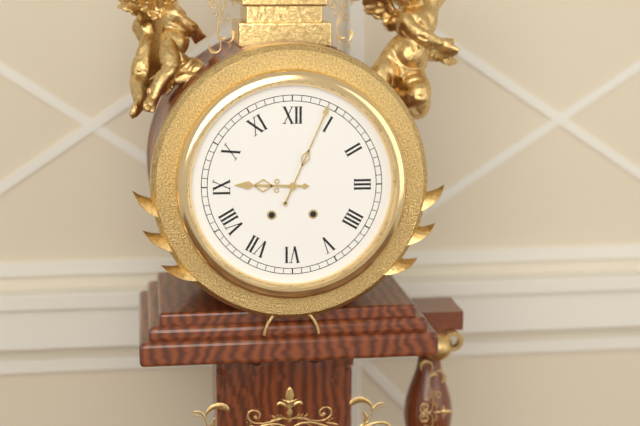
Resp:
**9:04**
